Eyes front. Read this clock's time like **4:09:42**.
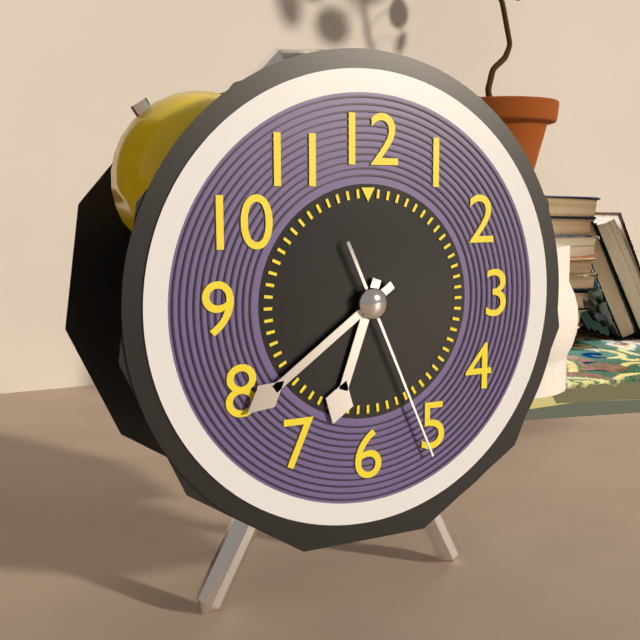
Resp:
**6:39:26**
